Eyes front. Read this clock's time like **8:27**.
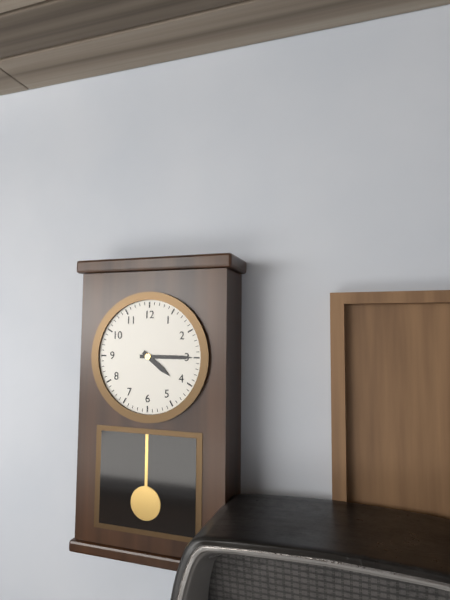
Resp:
**4:15**
